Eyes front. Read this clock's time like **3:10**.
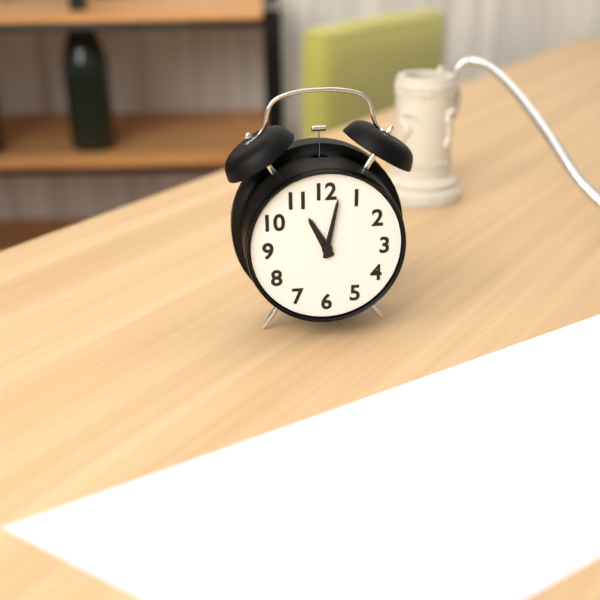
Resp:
**11:02**
